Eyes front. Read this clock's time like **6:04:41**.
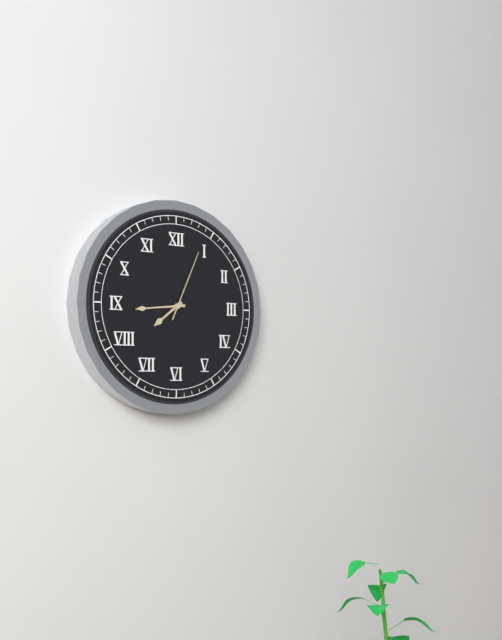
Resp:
**7:44:04**
